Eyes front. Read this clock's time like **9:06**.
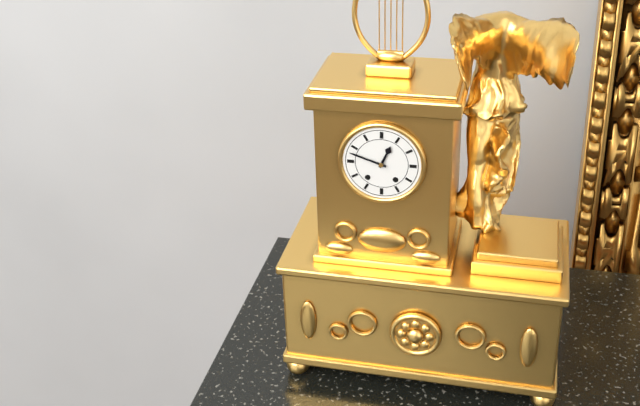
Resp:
**12:48**
